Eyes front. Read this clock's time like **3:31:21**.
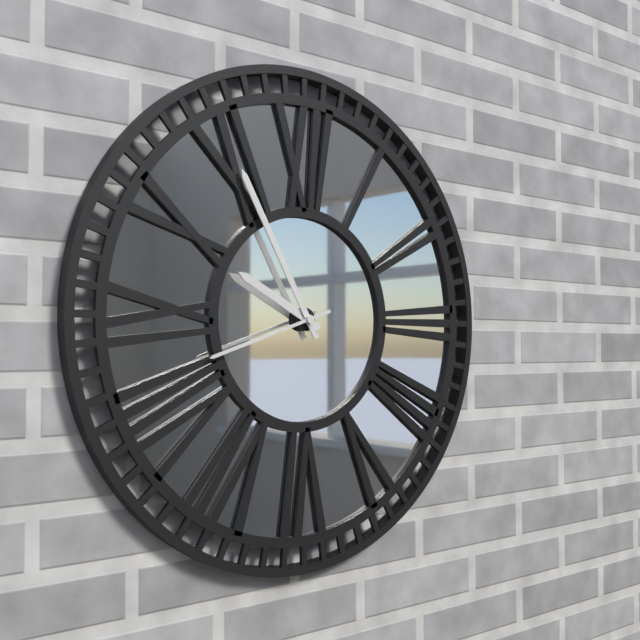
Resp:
**9:55:42**
